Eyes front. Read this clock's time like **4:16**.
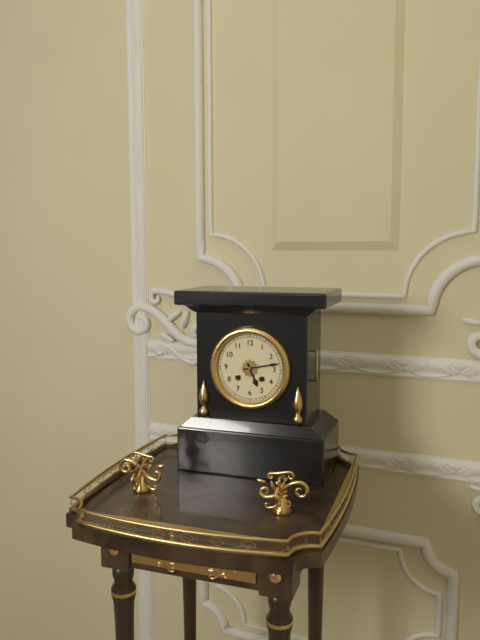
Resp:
**5:13**
